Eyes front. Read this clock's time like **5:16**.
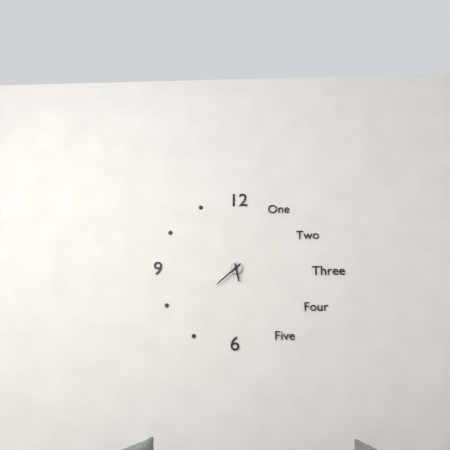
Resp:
**5:38**
